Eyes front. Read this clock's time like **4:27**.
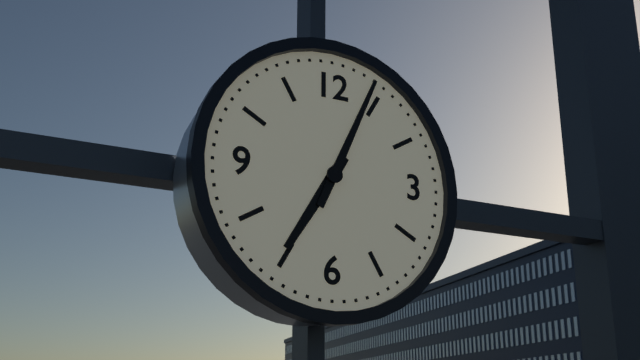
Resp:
**7:04**
